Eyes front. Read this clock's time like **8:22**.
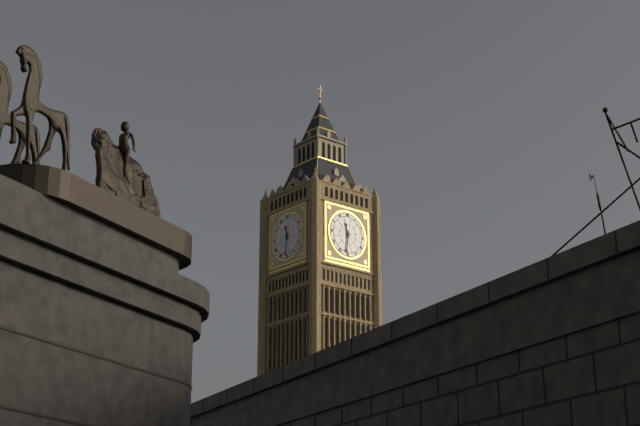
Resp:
**11:31**
